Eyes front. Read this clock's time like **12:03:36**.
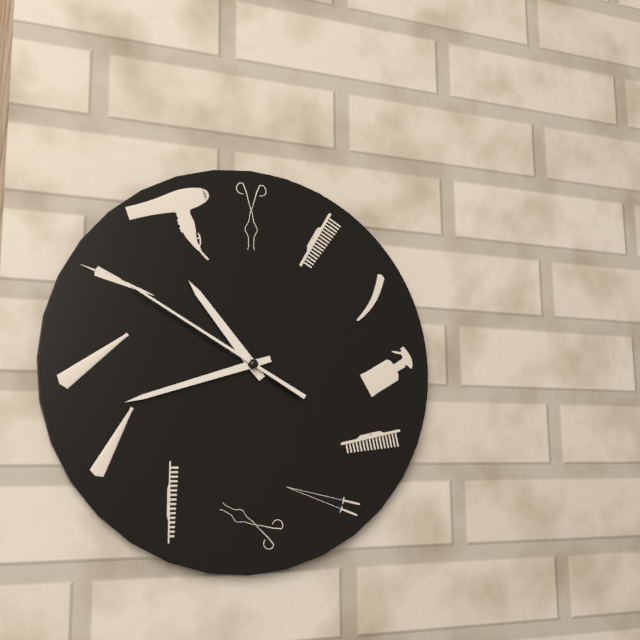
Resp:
**10:42:50**
